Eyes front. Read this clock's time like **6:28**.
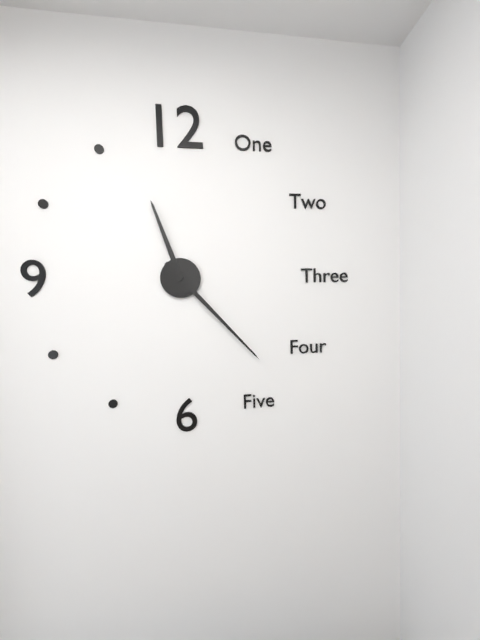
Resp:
**11:23**
